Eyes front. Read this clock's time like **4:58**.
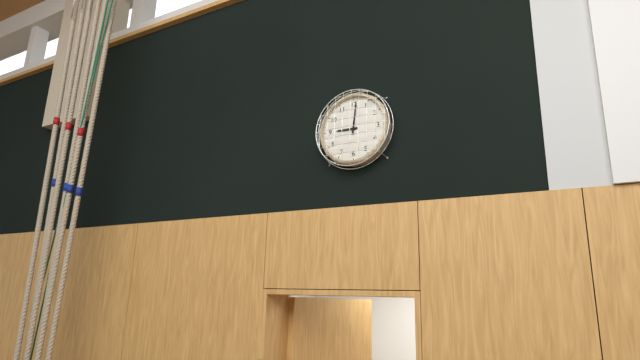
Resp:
**9:01**
